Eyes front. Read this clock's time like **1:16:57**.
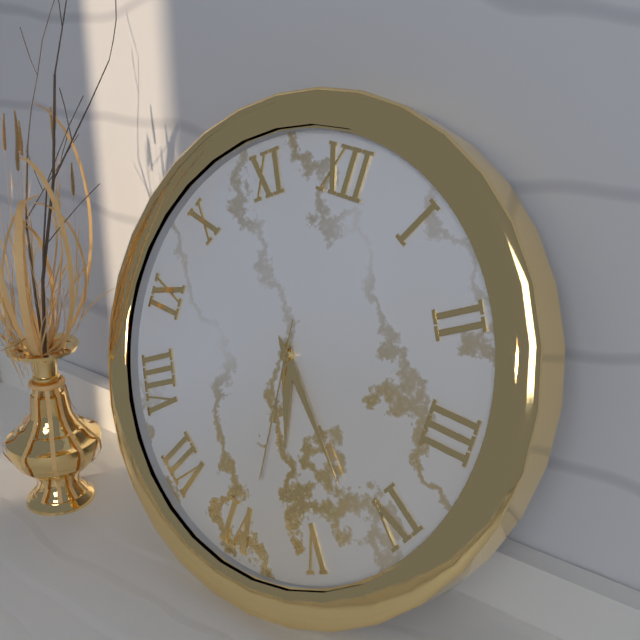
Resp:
**5:22:29**
